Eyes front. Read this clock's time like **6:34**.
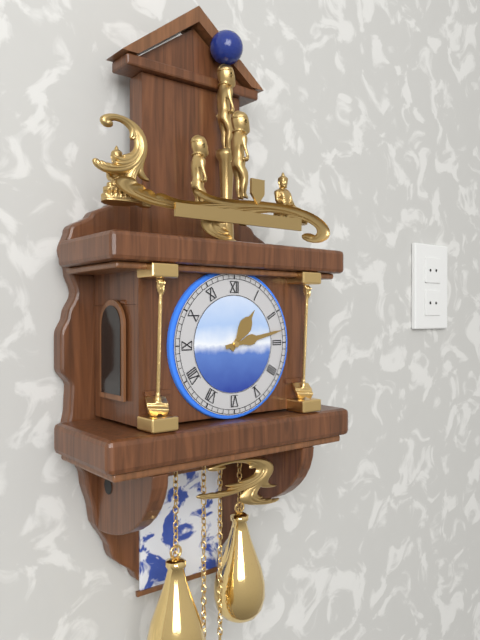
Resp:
**1:13**
